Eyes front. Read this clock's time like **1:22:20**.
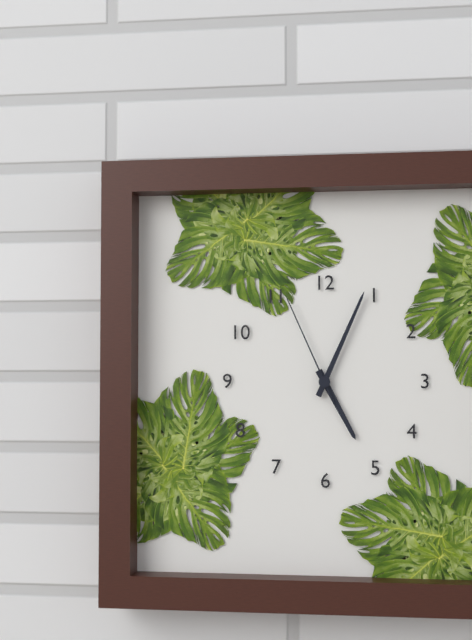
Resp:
**5:04:56**
